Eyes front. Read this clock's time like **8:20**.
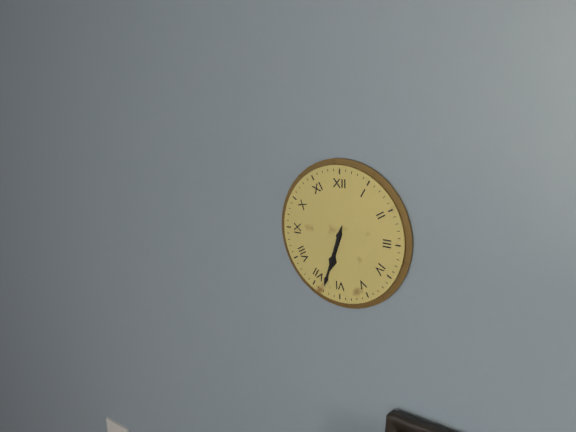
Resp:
**6:33**
